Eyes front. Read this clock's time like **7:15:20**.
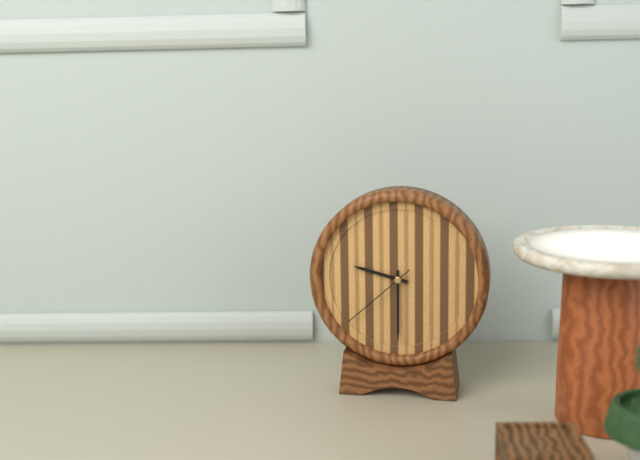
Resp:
**9:30:38**
